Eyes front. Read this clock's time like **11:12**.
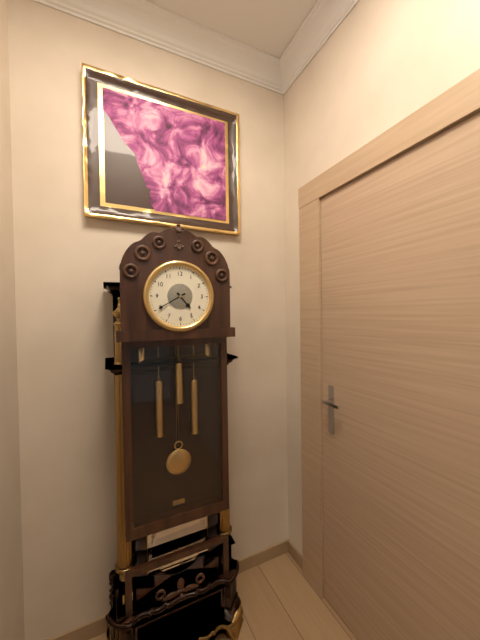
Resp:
**4:40**
